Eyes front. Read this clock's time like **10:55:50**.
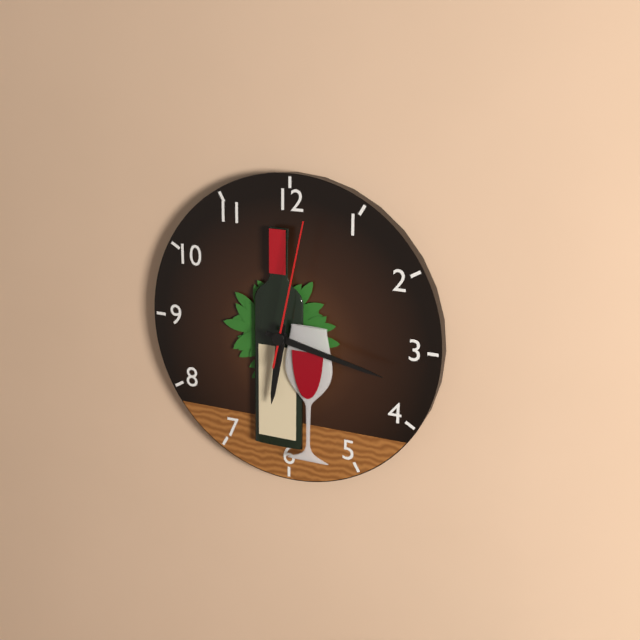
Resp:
**6:17:02**
